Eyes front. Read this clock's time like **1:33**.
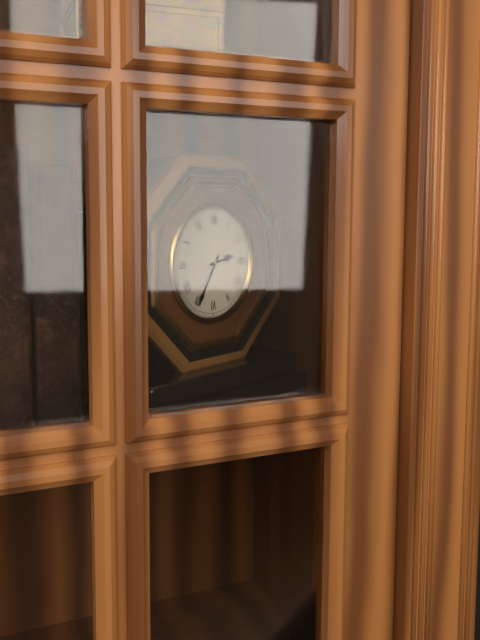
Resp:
**2:35**
